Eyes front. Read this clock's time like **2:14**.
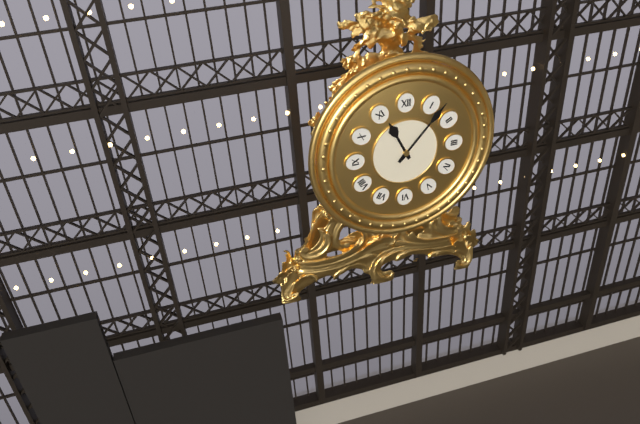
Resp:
**11:07**
